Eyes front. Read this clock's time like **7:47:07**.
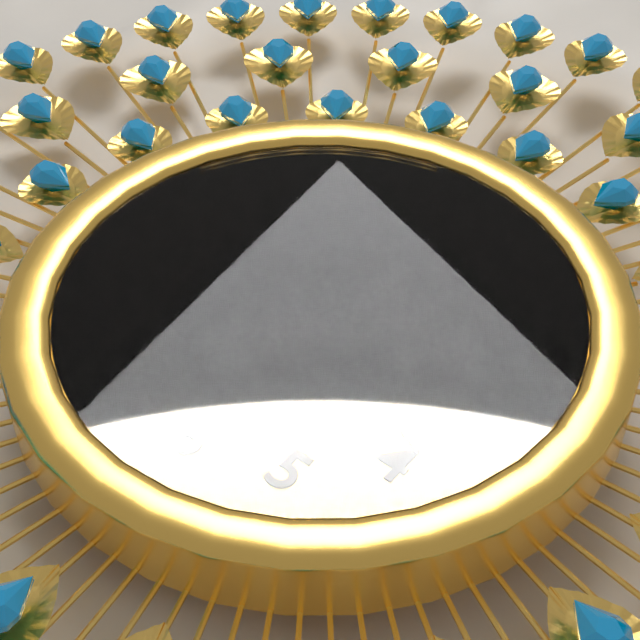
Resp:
**7:12:19**
